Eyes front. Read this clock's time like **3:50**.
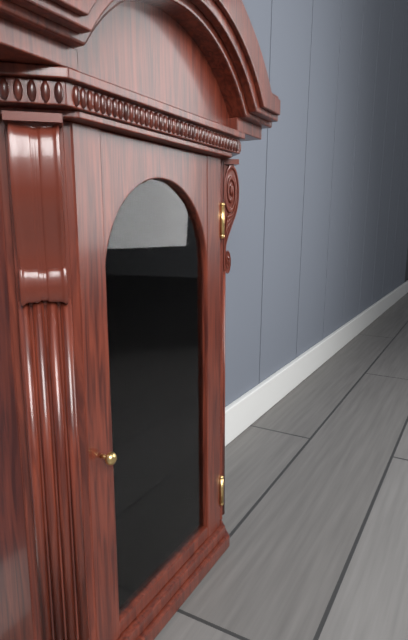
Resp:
**9:12**
